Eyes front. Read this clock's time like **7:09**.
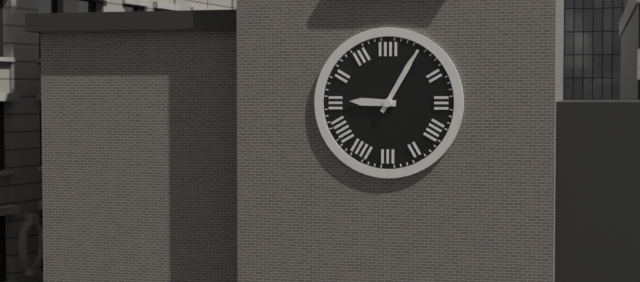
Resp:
**9:05**
